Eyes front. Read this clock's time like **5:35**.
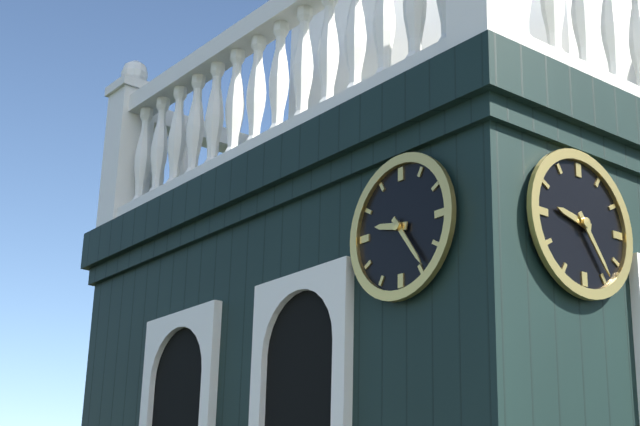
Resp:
**9:24**
